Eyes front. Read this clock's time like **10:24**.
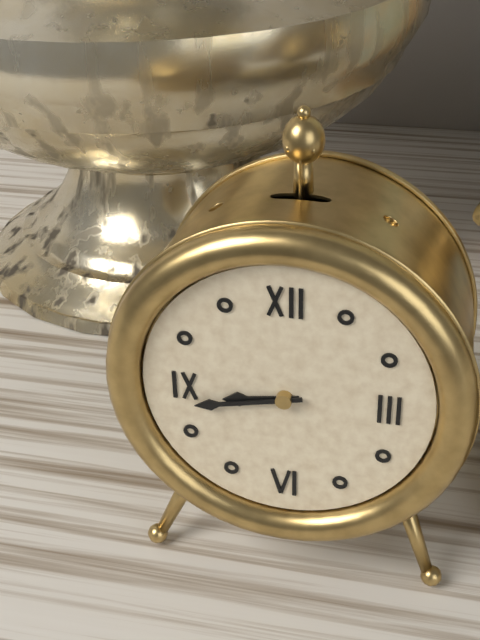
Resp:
**8:43**
